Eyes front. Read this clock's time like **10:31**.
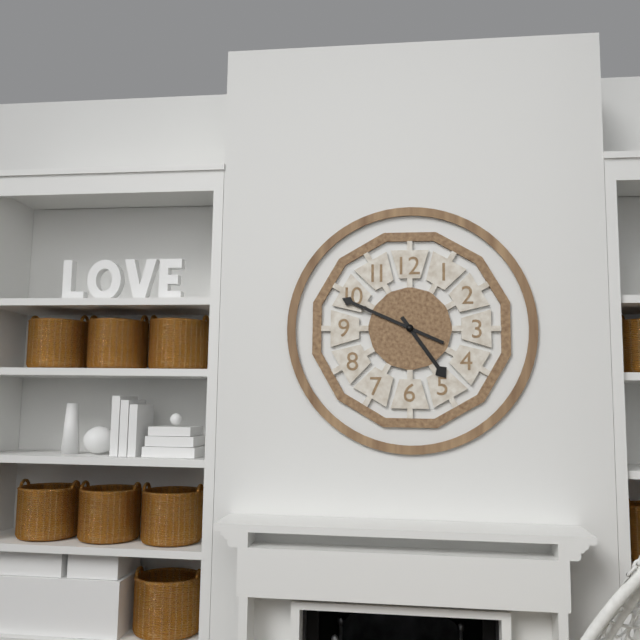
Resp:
**4:49**
